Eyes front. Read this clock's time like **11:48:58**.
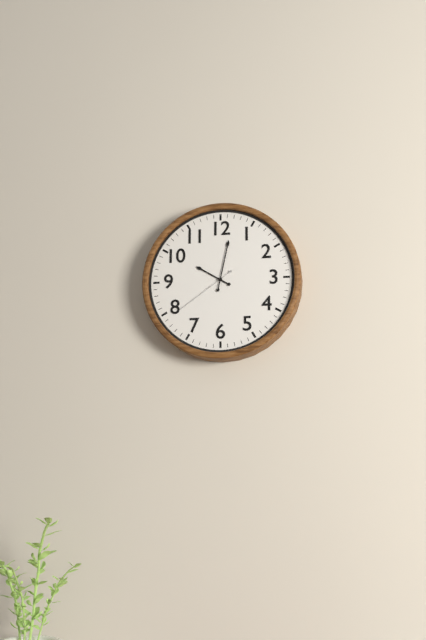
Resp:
**10:02:39**
